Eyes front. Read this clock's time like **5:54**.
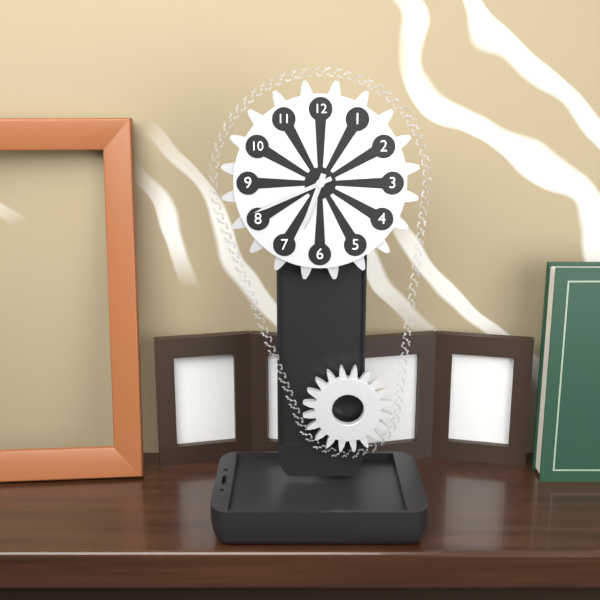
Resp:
**6:41**
